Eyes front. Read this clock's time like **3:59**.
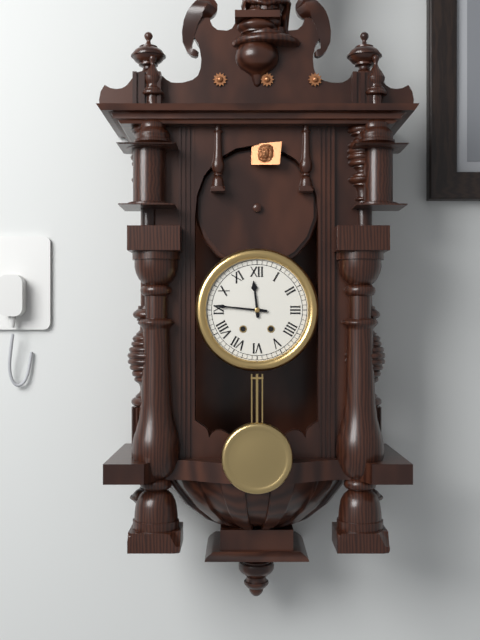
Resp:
**11:46**
